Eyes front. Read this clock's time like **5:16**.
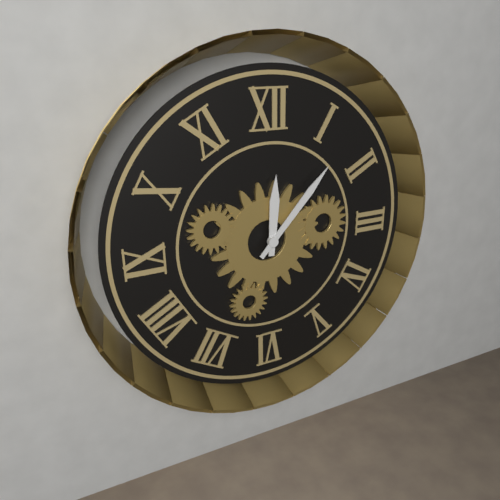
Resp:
**12:07**
